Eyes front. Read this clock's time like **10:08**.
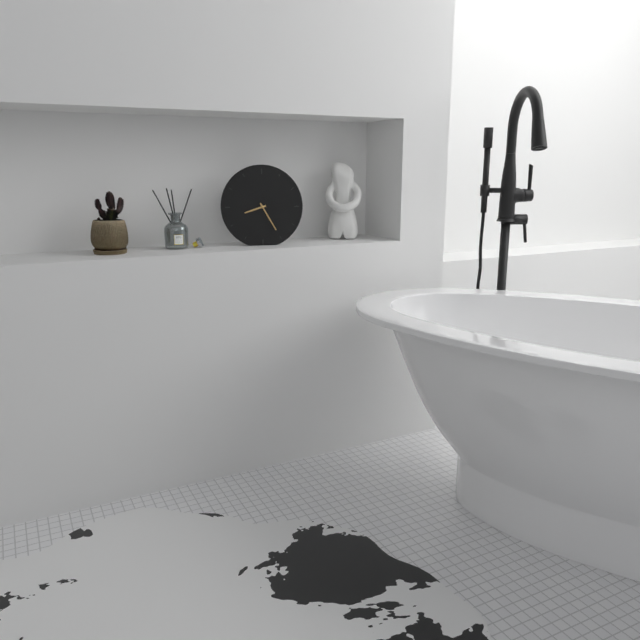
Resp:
**8:25**
